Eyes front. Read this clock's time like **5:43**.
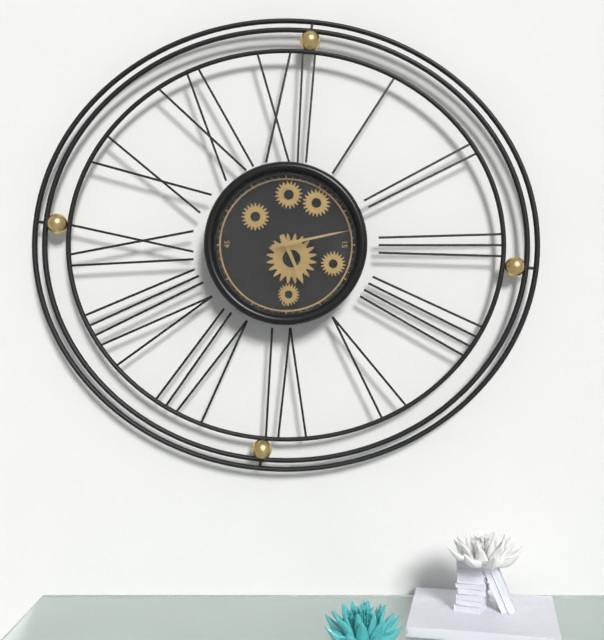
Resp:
**5:13**
